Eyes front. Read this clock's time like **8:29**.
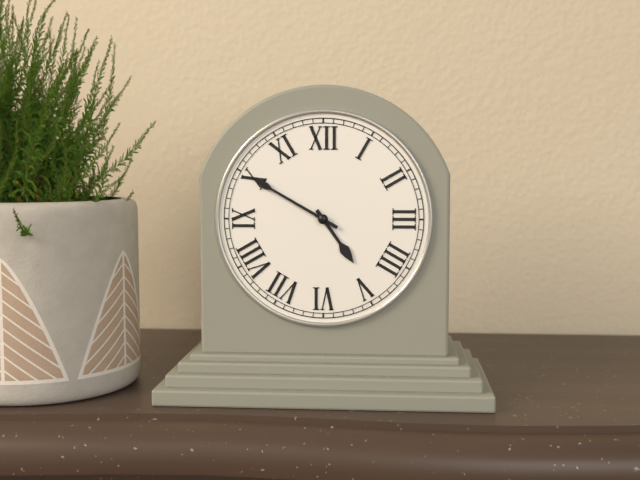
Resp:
**4:50**
